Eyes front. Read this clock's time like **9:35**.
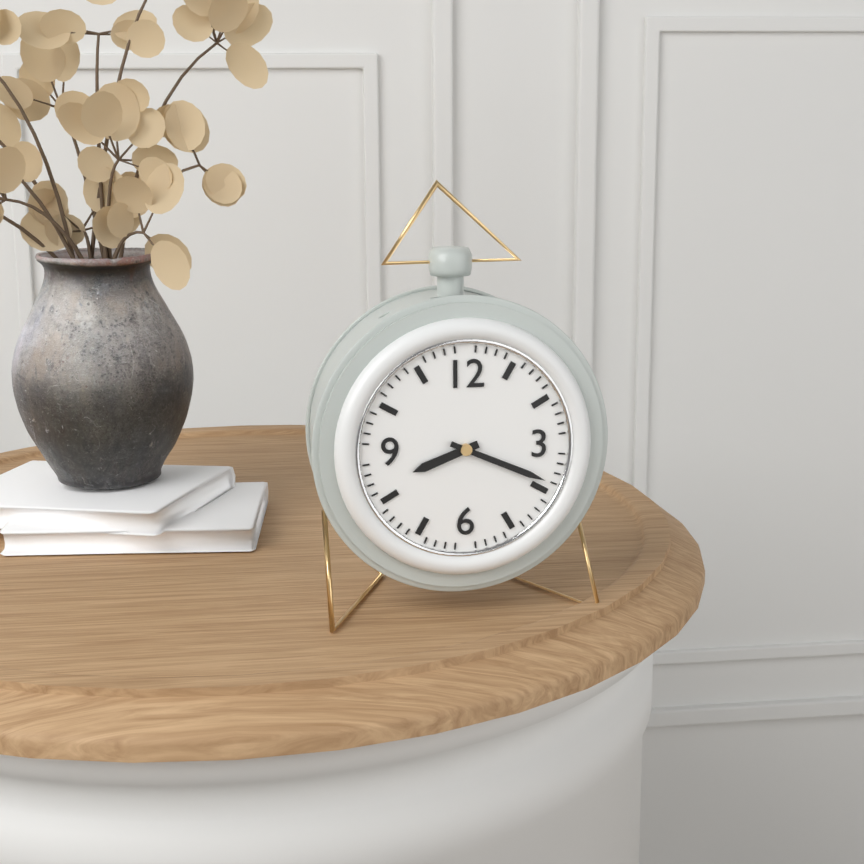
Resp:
**8:19**
